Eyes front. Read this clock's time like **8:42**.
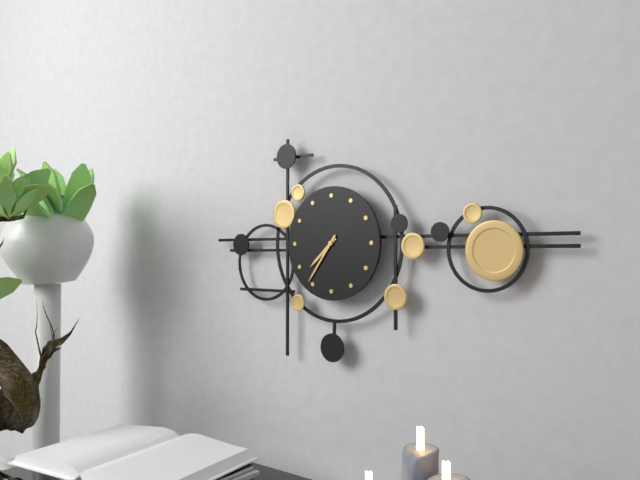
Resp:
**7:36**
